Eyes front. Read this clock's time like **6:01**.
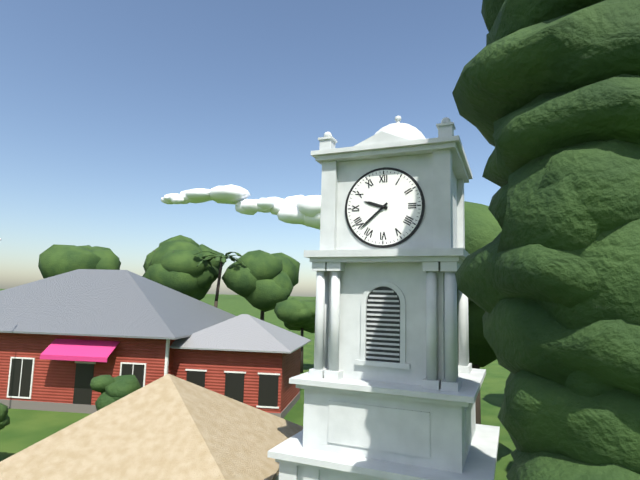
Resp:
**9:38**
